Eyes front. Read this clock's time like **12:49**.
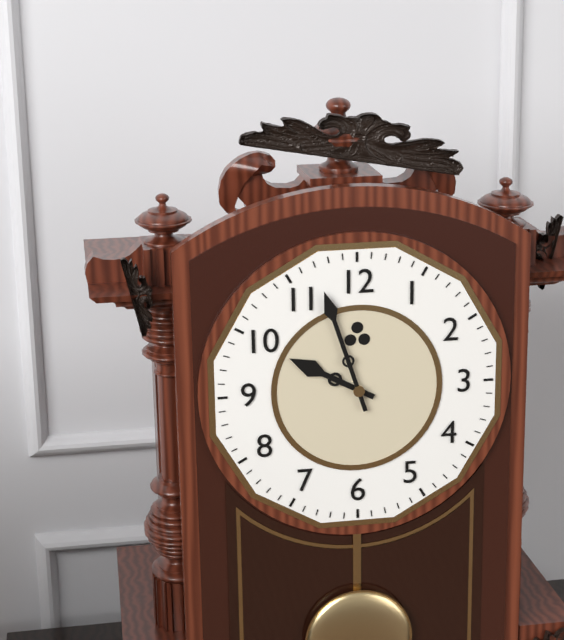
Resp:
**9:57**
